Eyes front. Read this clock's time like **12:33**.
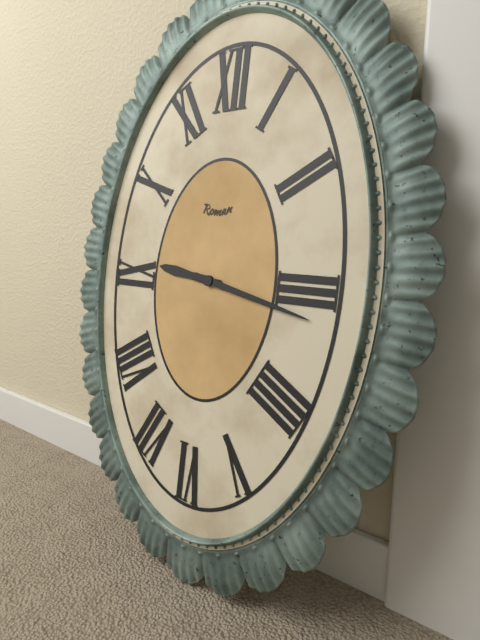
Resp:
**9:17**
